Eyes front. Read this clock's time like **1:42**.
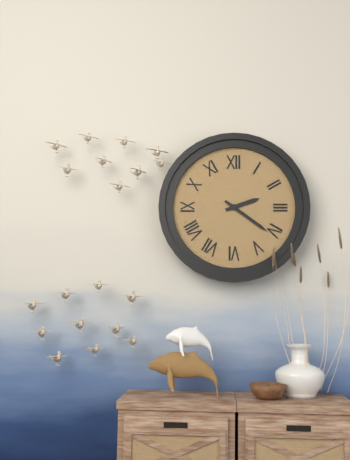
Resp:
**2:21**
